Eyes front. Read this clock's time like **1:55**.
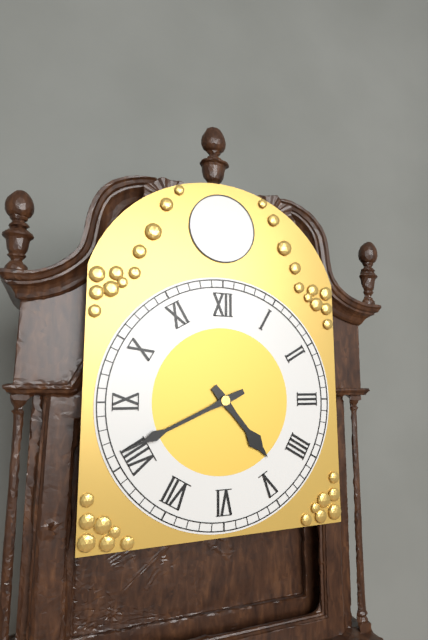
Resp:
**4:41**
